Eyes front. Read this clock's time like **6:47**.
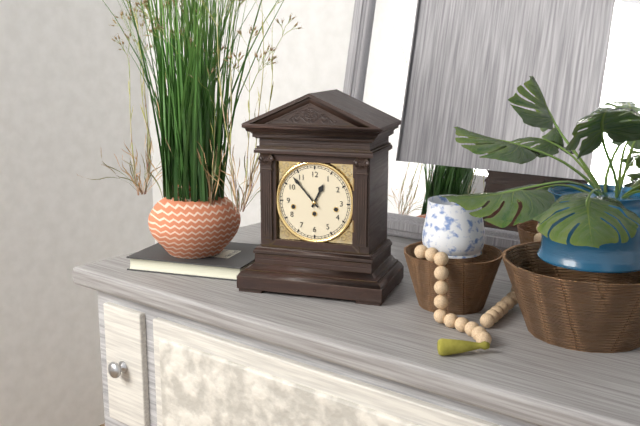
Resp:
**12:53**
